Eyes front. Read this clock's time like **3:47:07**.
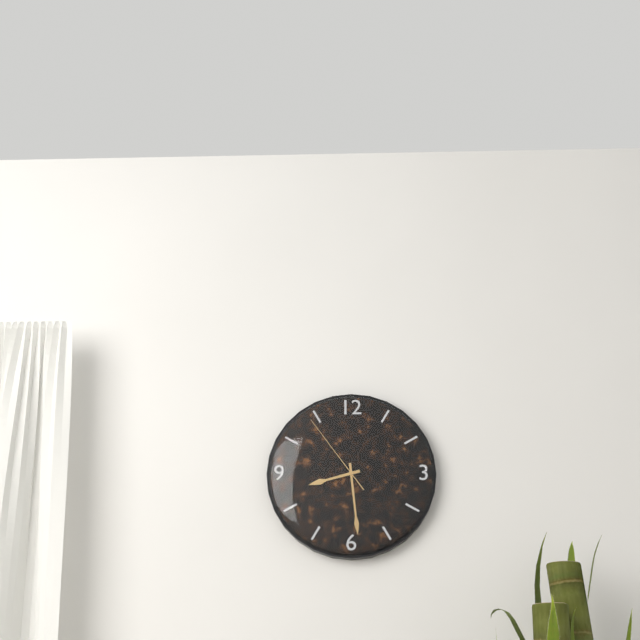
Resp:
**8:29:54**
